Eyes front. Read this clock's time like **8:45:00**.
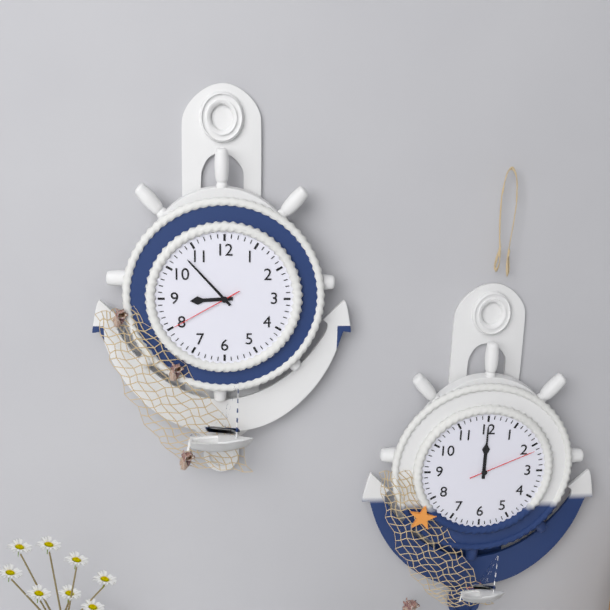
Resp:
**8:53:40**
